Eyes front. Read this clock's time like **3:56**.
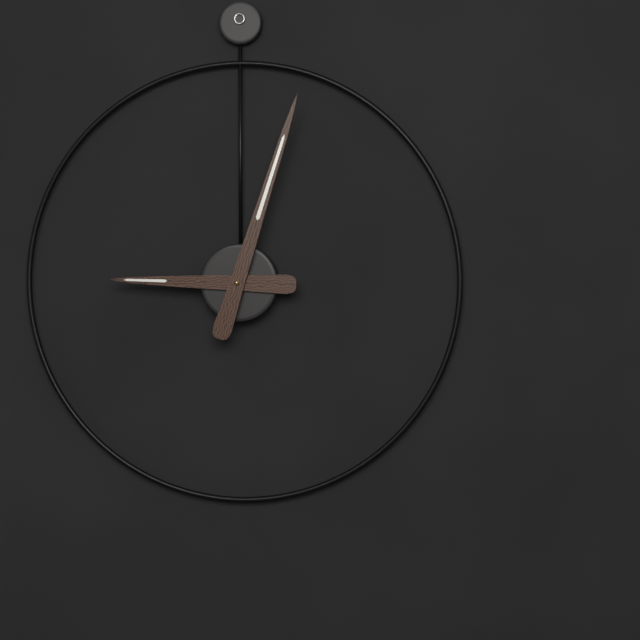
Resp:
**9:03**
